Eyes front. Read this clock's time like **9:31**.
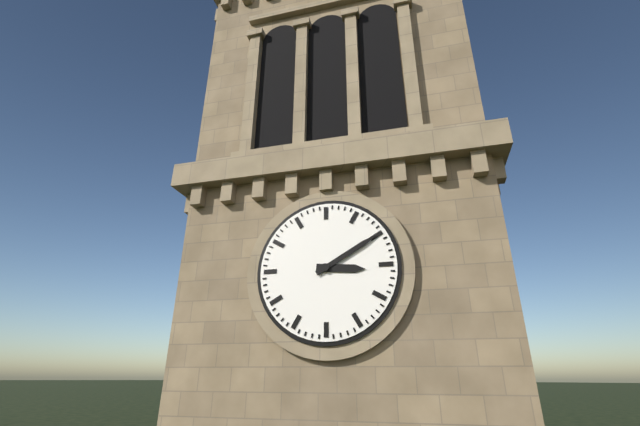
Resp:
**3:10**
